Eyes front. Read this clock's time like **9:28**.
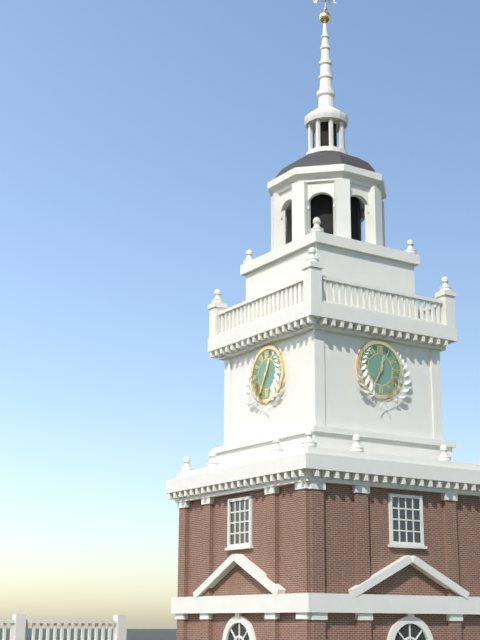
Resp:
**12:35**
